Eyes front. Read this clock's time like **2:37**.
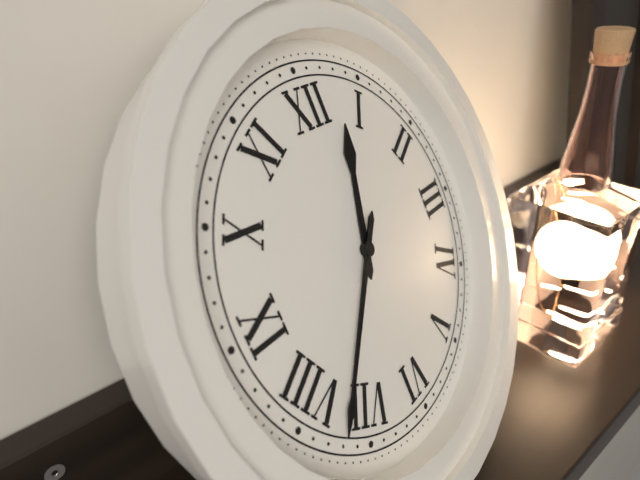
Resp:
**12:37**
